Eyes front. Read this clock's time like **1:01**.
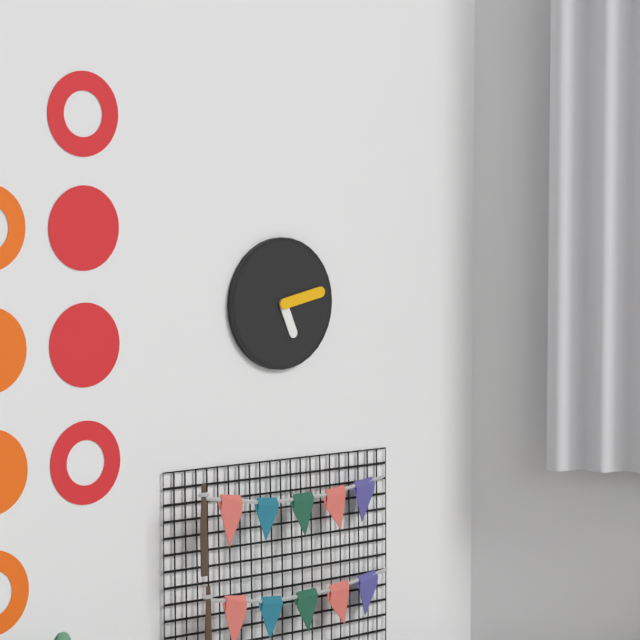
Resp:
**5:13**
